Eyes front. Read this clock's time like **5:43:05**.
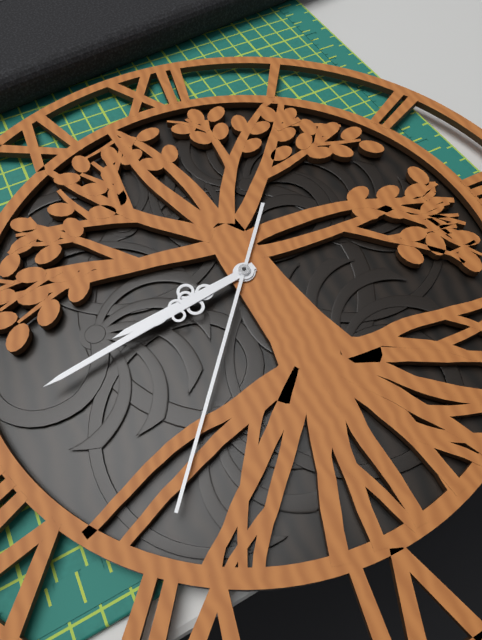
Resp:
**8:43:36**
